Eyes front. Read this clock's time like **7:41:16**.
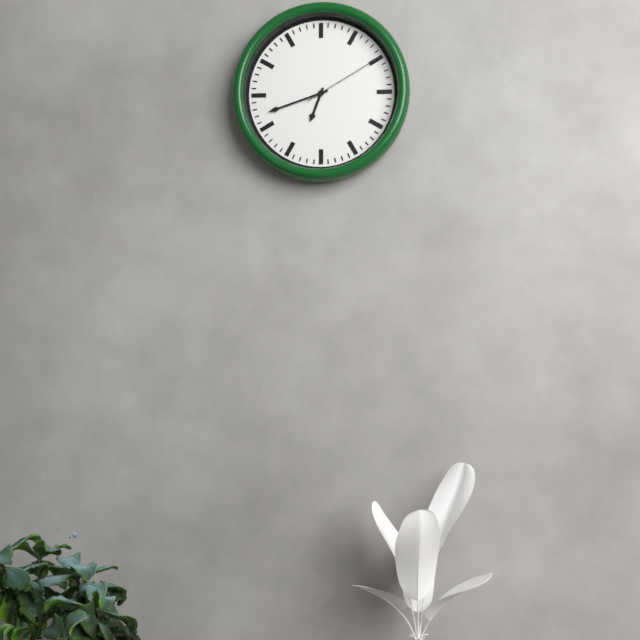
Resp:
**6:42:10**
